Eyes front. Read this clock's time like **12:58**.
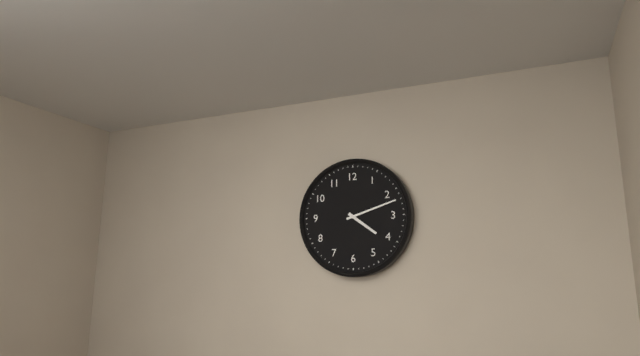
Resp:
**4:12**
